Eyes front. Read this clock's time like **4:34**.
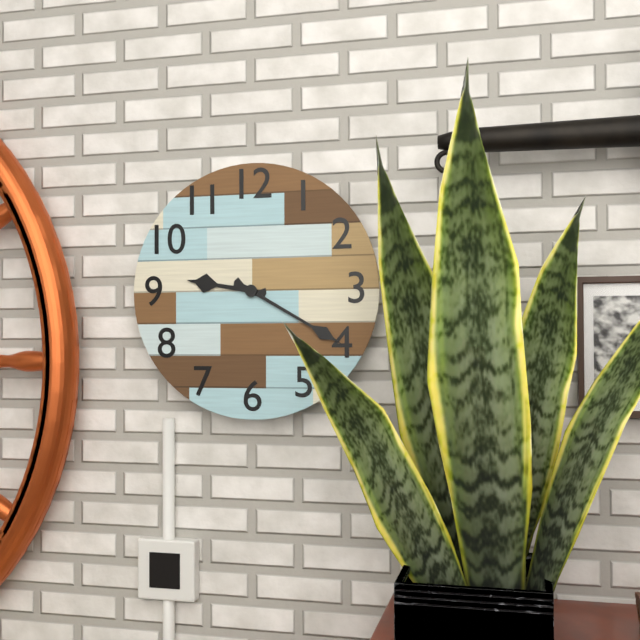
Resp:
**9:20**
